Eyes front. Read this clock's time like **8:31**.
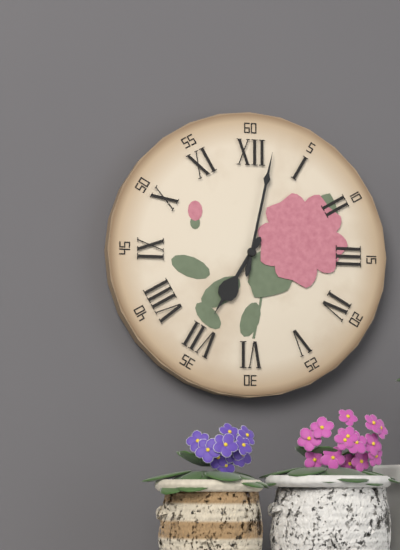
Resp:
**7:02**
